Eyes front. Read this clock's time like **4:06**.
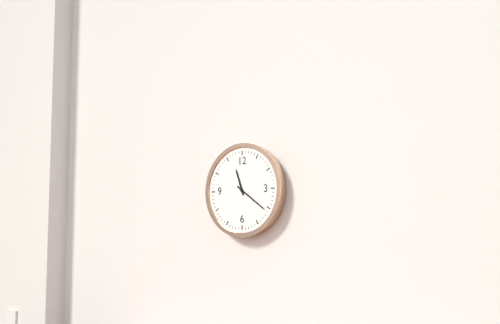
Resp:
**11:21**
